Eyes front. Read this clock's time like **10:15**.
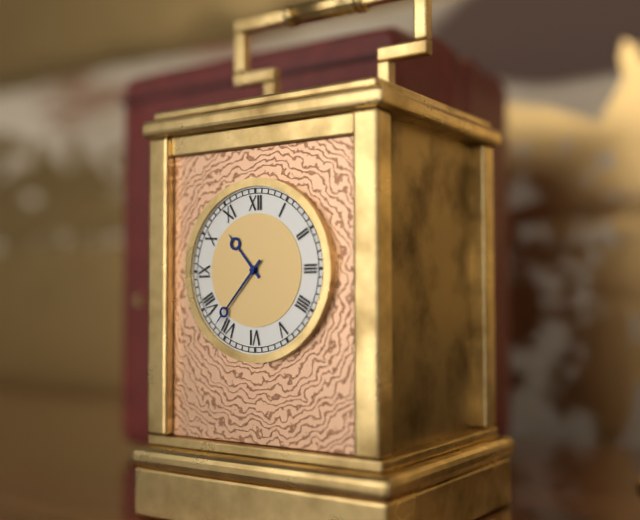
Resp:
**10:37**
